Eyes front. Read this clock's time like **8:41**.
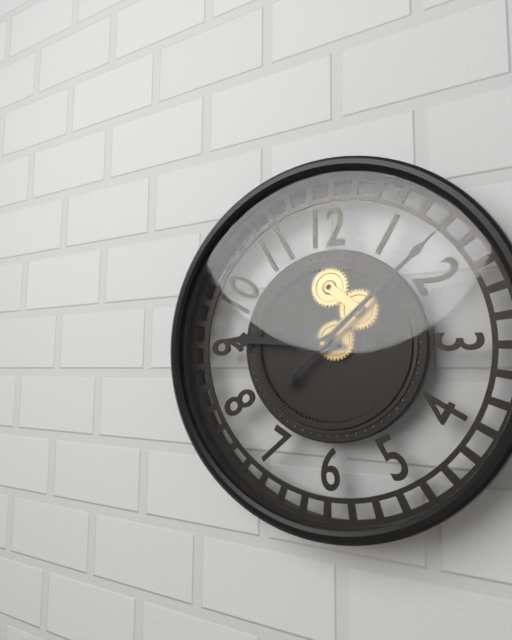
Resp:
**9:08**
